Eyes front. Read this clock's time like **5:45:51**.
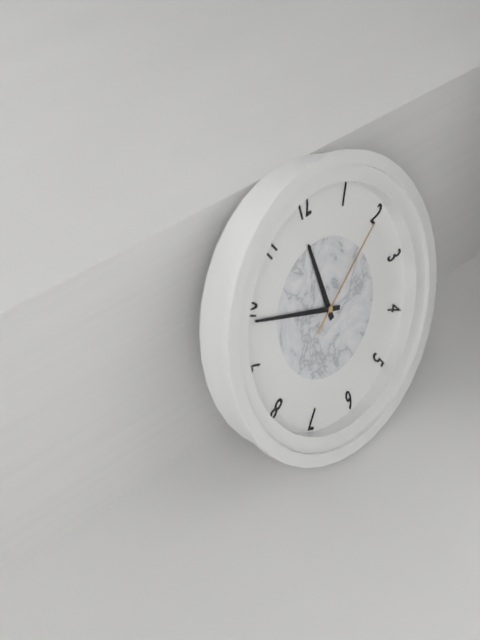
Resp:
**11:49:10**
